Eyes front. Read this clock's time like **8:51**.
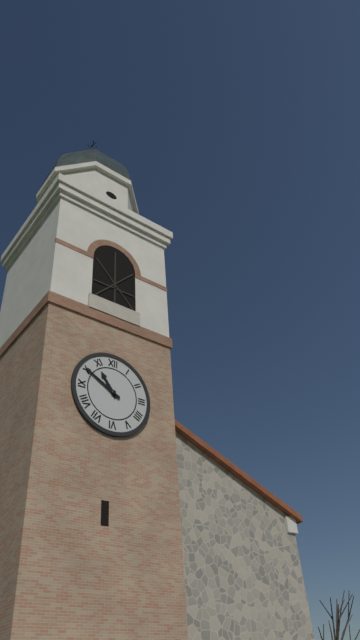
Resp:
**10:50**
